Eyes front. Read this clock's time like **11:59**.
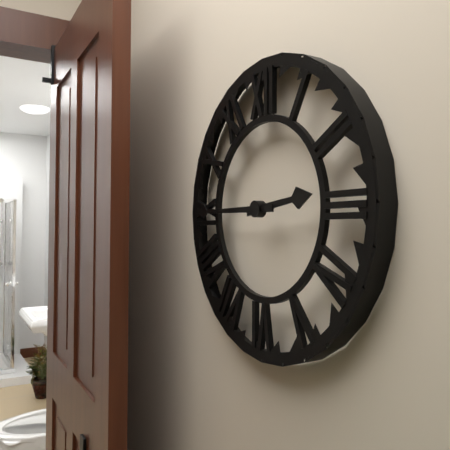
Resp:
**2:45**
